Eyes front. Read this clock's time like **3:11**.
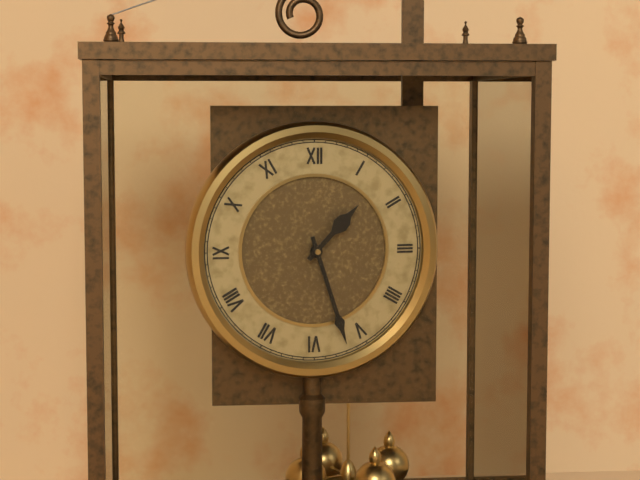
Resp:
**1:27**
